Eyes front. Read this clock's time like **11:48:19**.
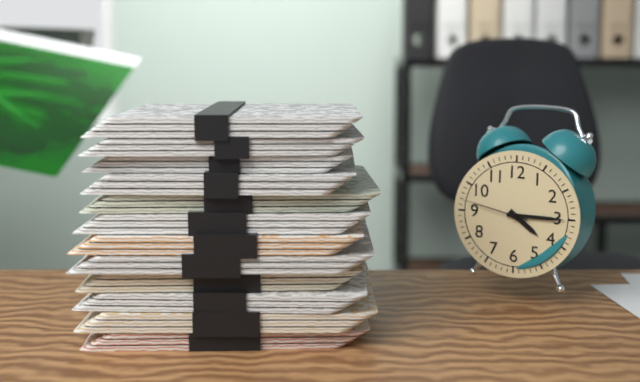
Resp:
**4:15:47**
